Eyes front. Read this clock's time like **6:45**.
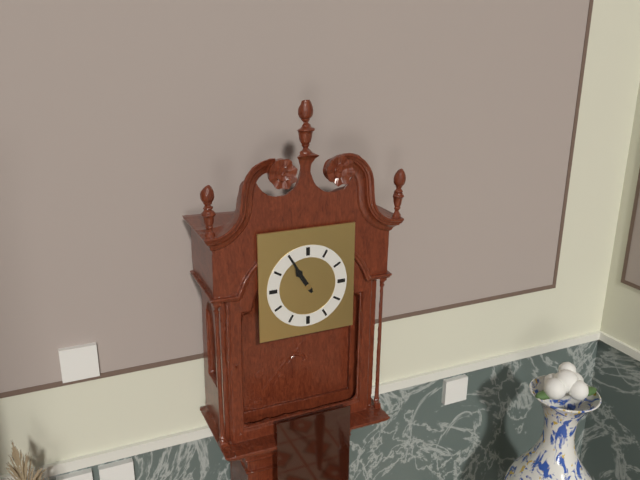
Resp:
**10:55**
